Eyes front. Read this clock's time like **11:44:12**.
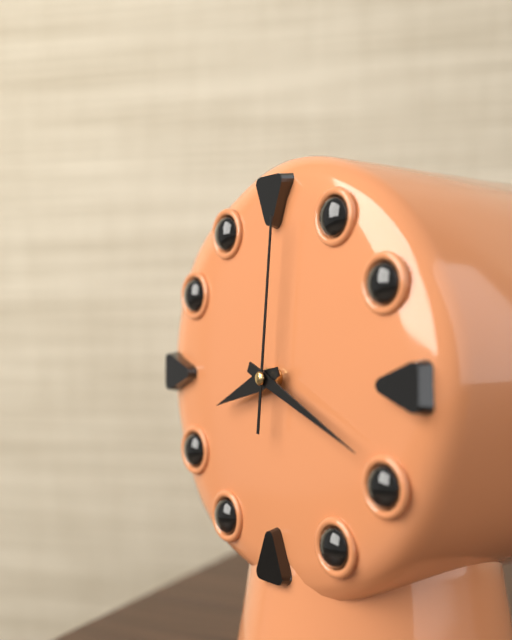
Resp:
**8:19:01**
